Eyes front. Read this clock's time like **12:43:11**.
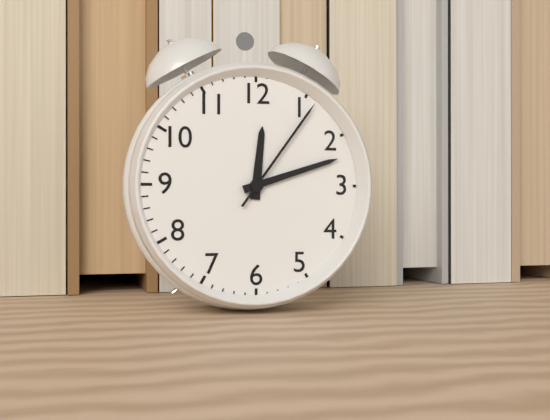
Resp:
**12:12:06**
